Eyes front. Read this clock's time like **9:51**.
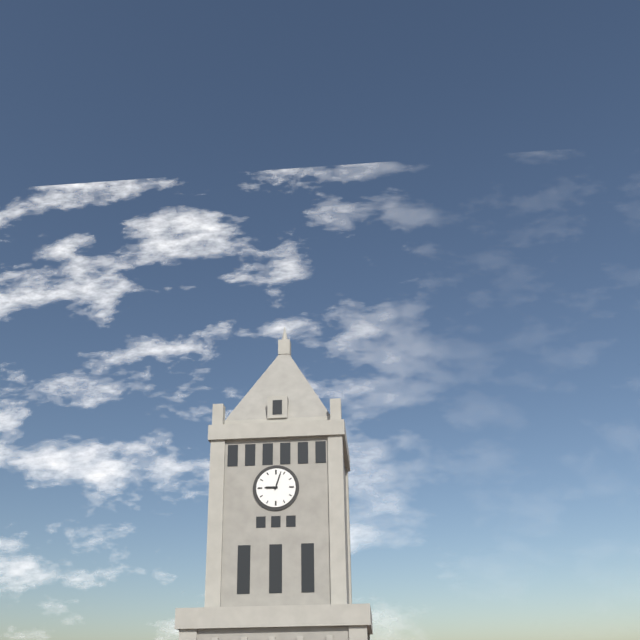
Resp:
**9:03**
